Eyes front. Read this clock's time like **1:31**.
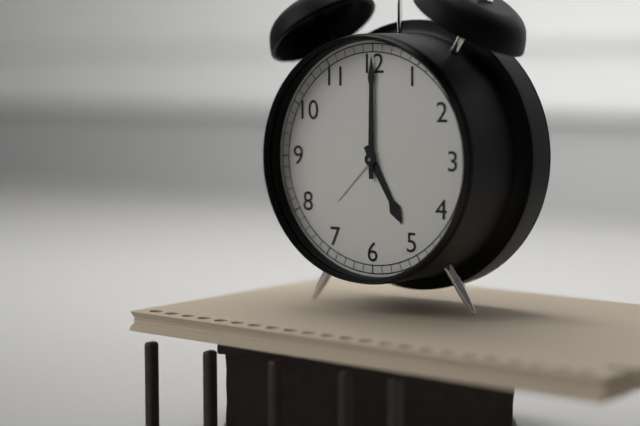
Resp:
**5:00**
